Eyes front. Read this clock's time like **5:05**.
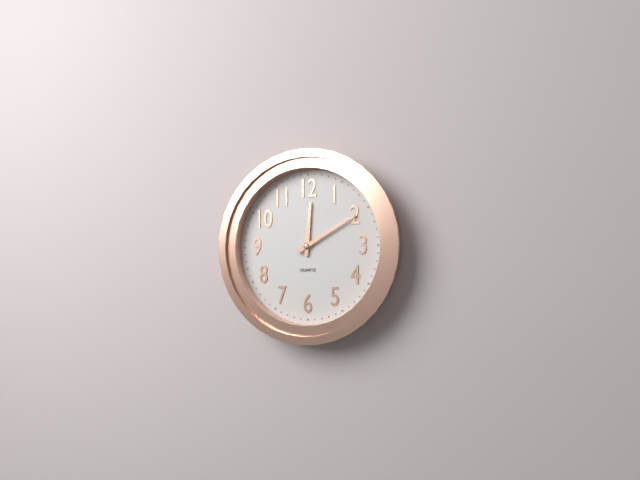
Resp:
**12:10**
